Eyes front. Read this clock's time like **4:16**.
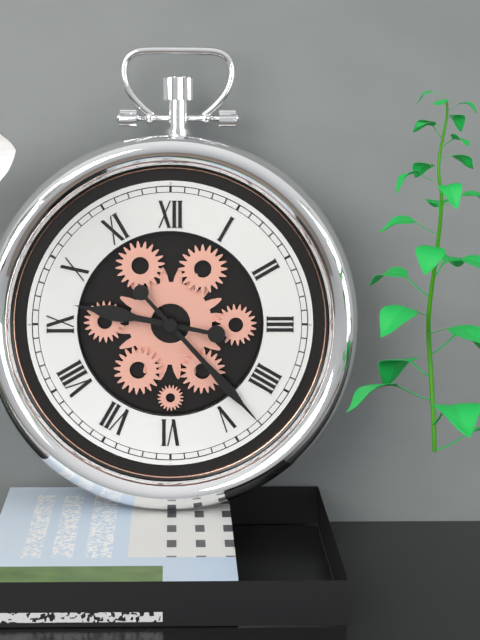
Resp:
**9:23**
